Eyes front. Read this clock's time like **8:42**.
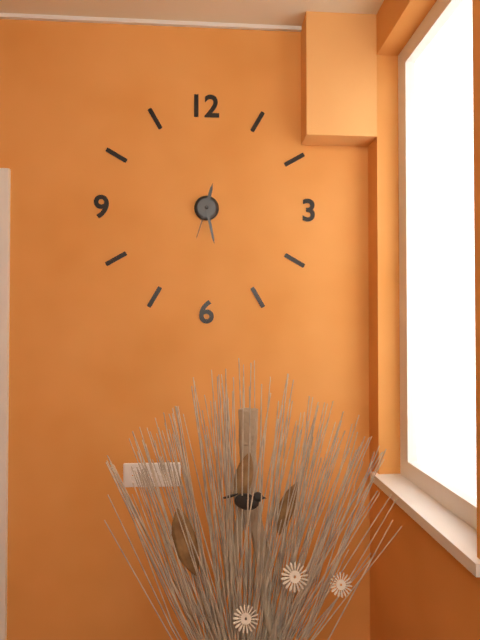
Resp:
**12:28**
